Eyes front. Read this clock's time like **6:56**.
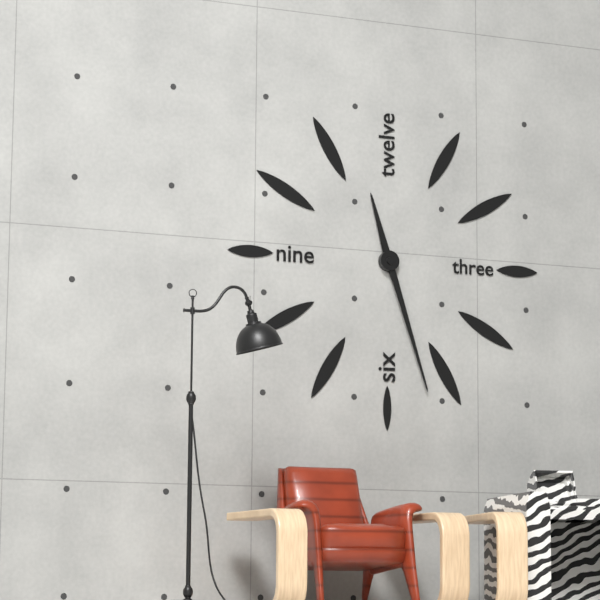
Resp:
**11:27**
